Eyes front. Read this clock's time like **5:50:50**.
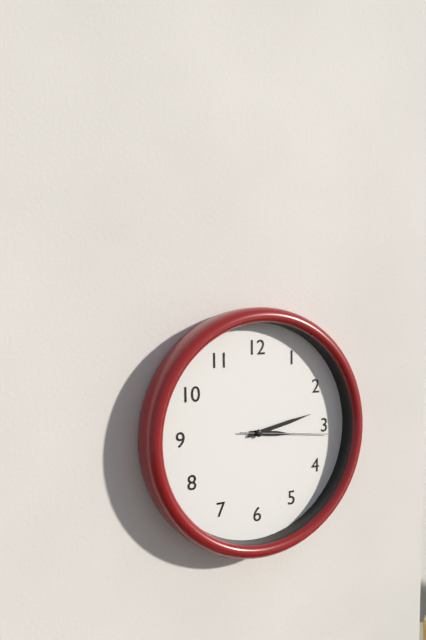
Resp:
**3:13:16**
